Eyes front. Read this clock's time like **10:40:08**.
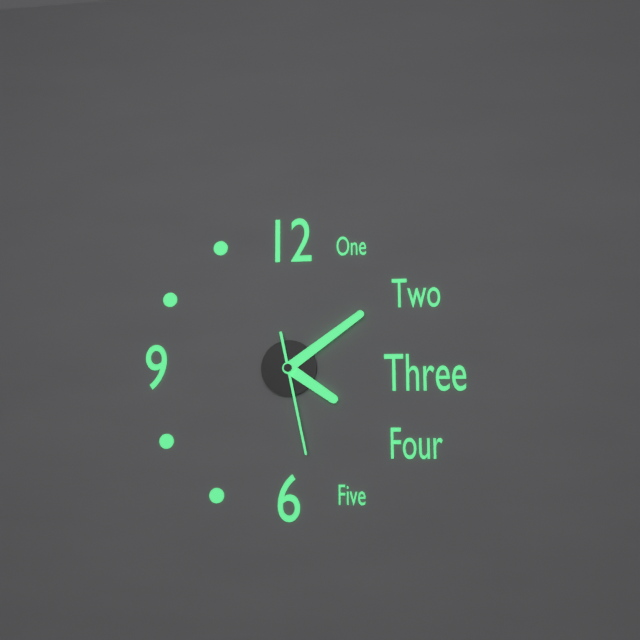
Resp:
**4:09:28**
